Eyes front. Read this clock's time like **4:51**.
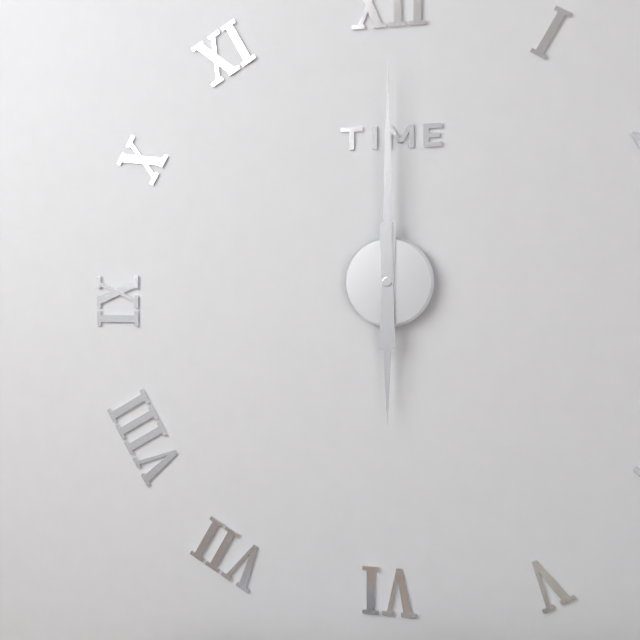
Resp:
**6:00**
